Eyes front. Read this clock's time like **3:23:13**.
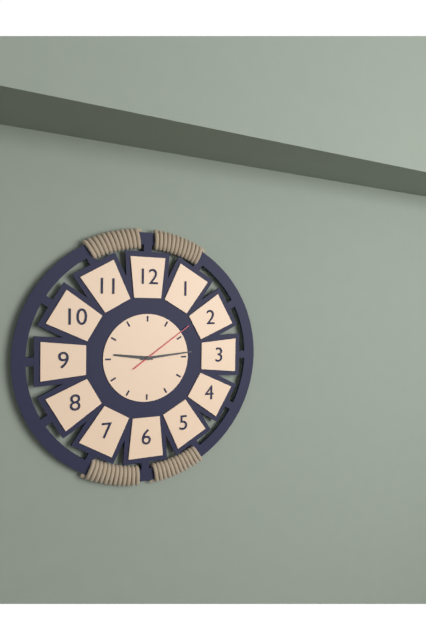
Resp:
**9:14:09**
